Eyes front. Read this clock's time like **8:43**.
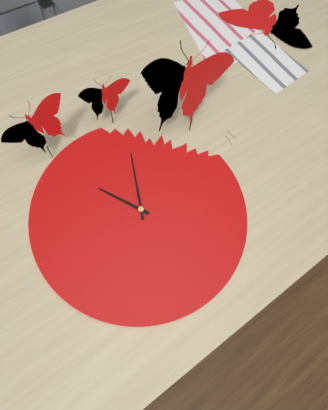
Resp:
**11:04**
